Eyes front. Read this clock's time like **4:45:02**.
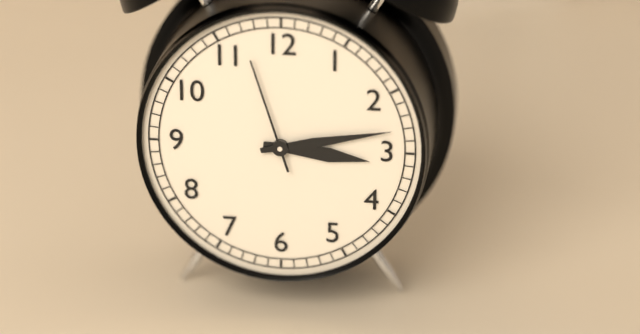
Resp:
**3:13:57**
